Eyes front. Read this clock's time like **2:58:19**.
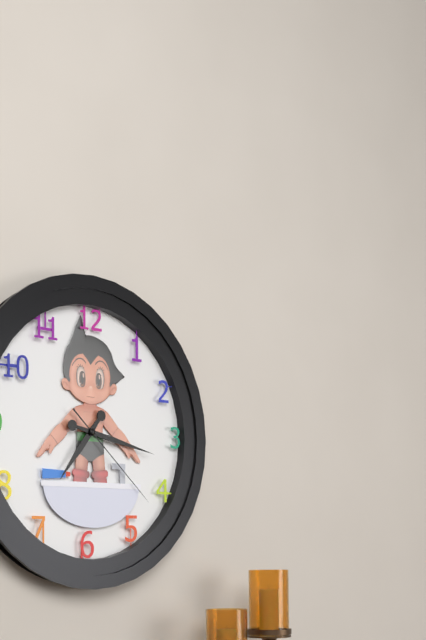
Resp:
**7:17:22**
